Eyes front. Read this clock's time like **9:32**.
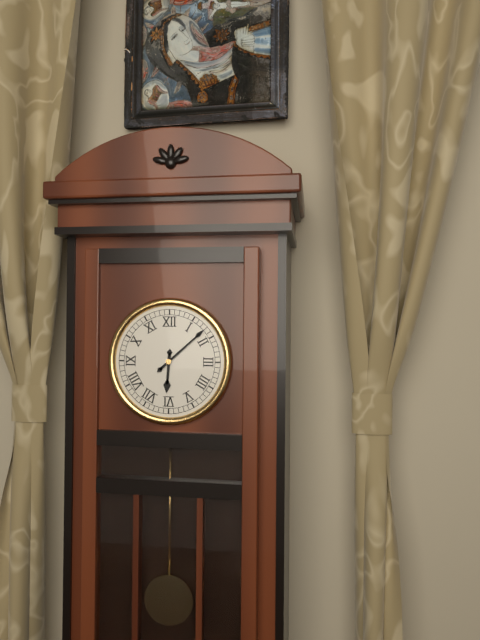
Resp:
**6:08**
